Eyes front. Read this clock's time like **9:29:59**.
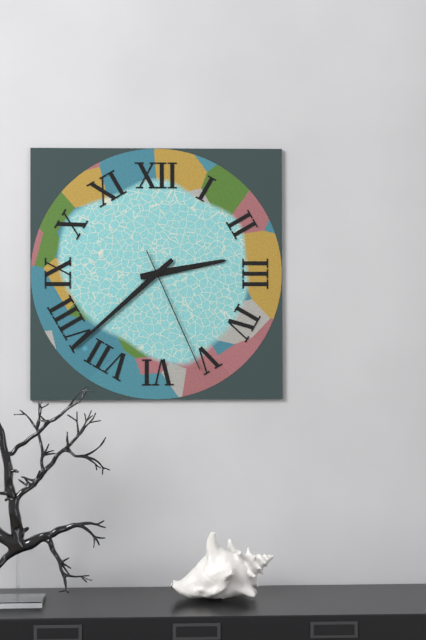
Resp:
**2:38:26**
